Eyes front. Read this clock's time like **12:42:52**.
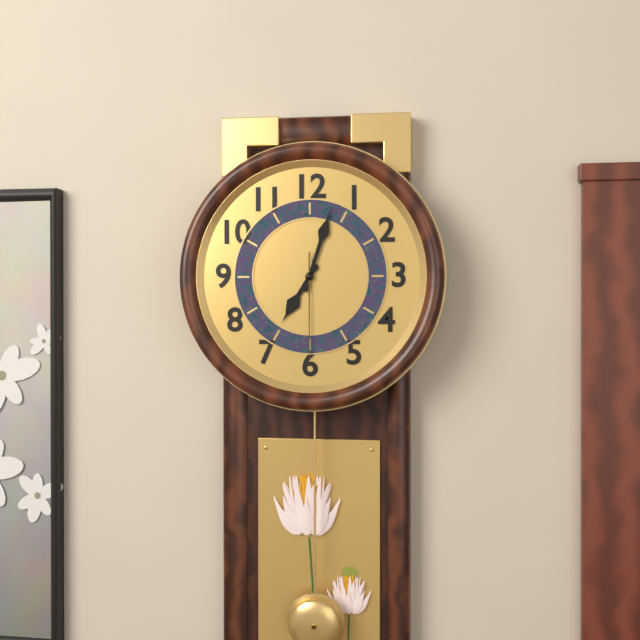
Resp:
**7:03:30**
